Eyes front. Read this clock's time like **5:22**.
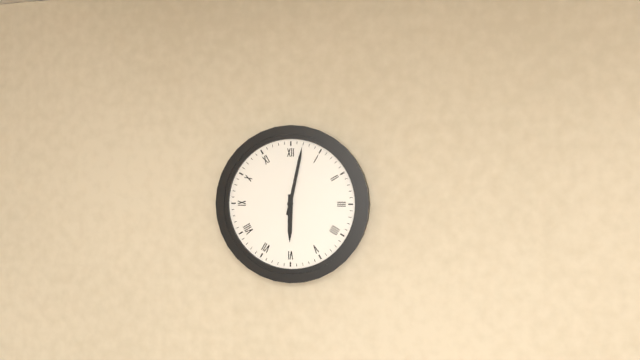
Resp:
**6:02**
